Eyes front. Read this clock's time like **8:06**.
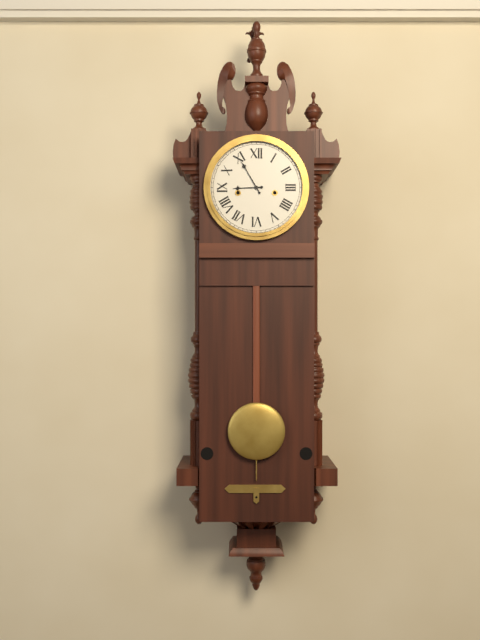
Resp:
**8:55**
